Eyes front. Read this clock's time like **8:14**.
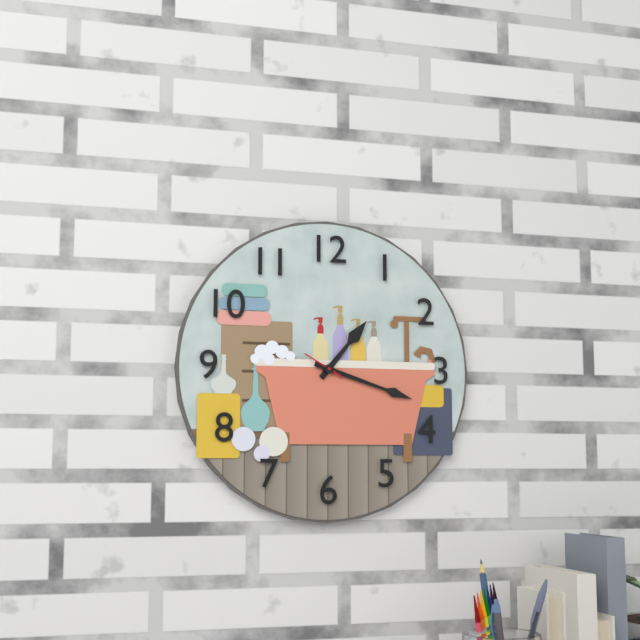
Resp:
**1:18**
